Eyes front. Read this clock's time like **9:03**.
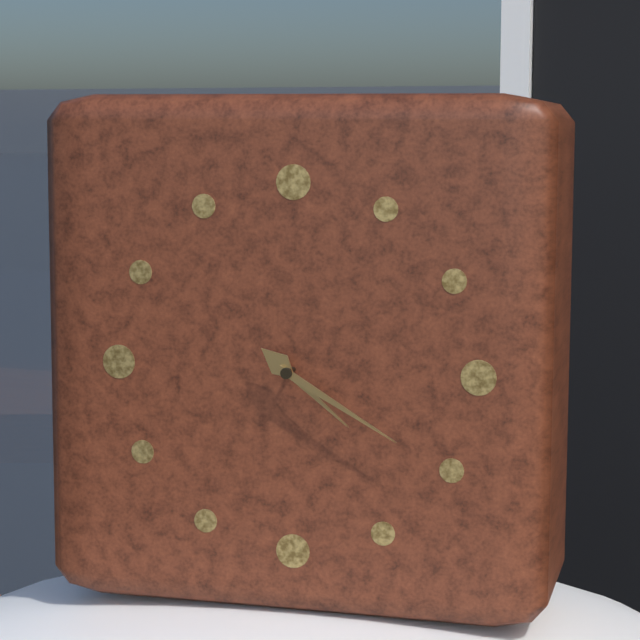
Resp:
**4:20**
